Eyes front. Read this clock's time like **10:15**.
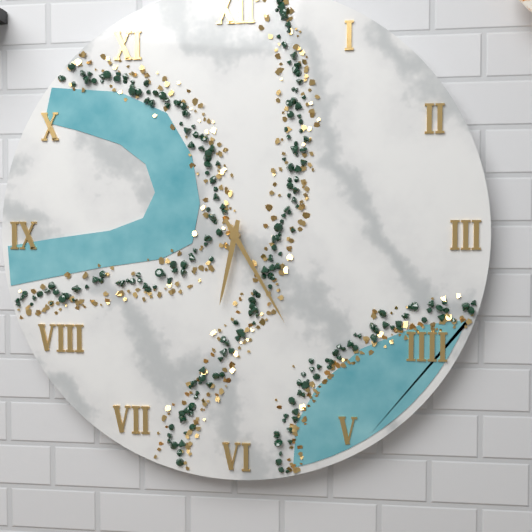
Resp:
**6:25**
